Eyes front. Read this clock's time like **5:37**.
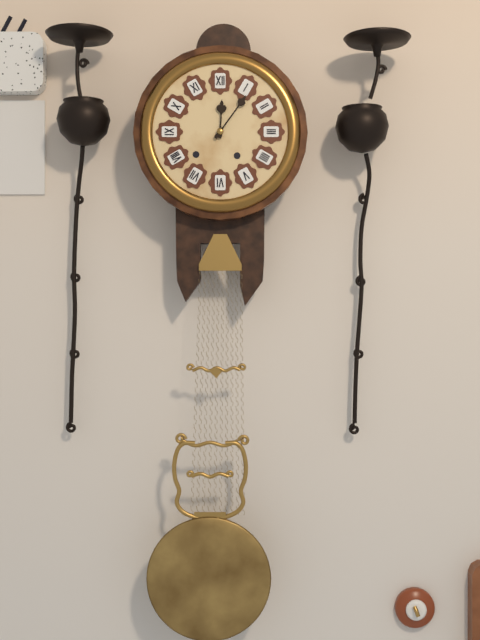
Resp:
**12:06**
